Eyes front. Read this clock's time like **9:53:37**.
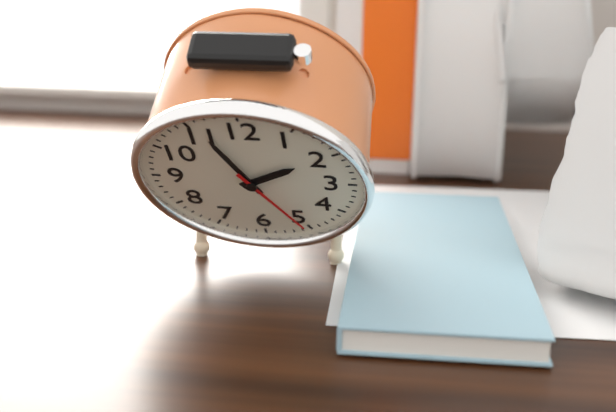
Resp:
**1:56:25**
